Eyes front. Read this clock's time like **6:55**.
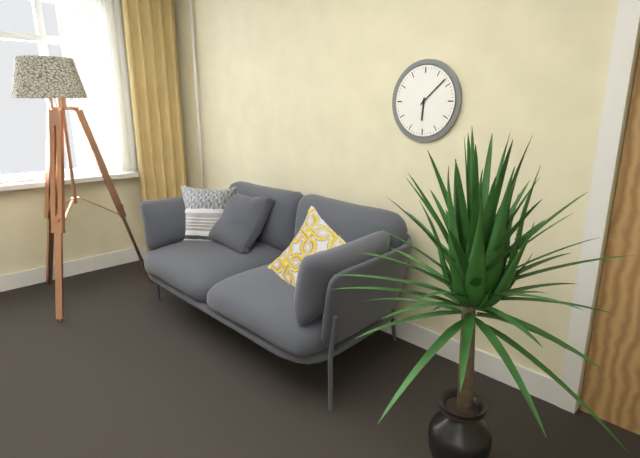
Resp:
**6:08**
